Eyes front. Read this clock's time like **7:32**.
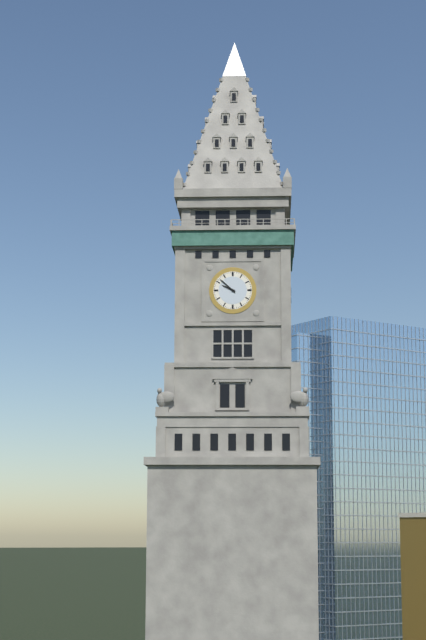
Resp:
**9:52**
